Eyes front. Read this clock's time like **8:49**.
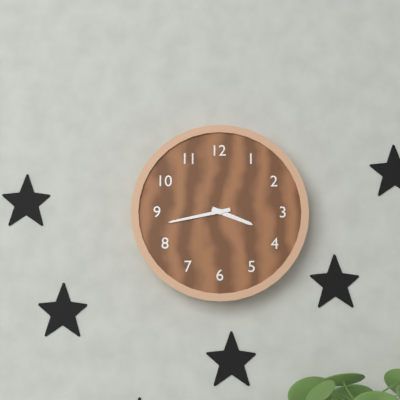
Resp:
**3:43**
